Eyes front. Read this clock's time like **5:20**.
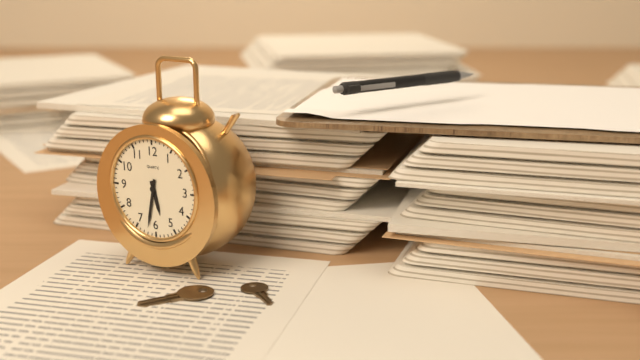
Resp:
**5:32**
